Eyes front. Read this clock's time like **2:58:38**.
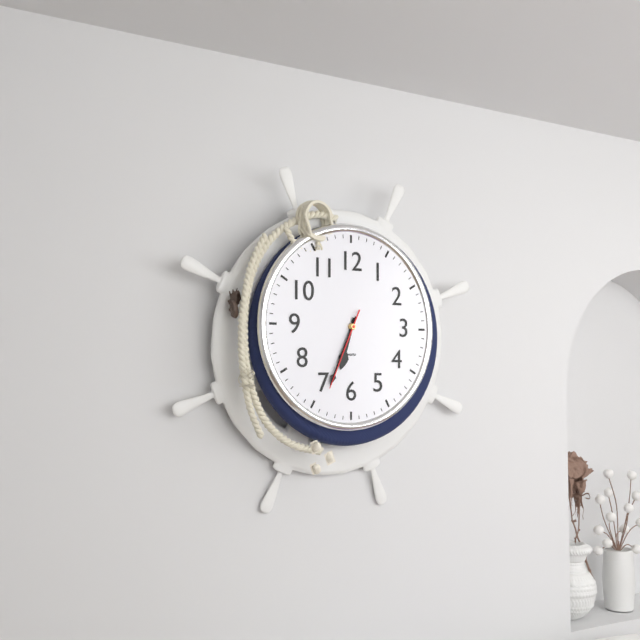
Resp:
**6:34:34**
